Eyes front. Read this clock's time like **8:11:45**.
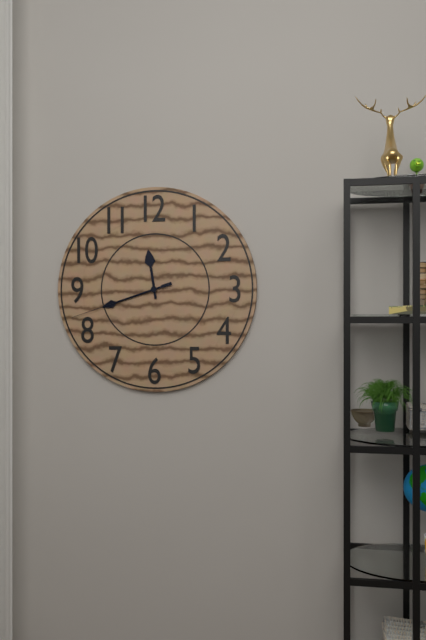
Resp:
**11:42:42**
